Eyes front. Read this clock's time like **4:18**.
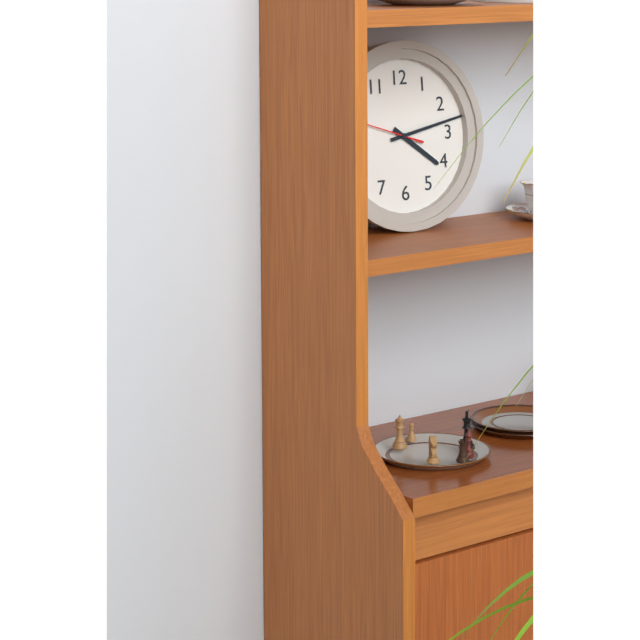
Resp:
**4:13**
